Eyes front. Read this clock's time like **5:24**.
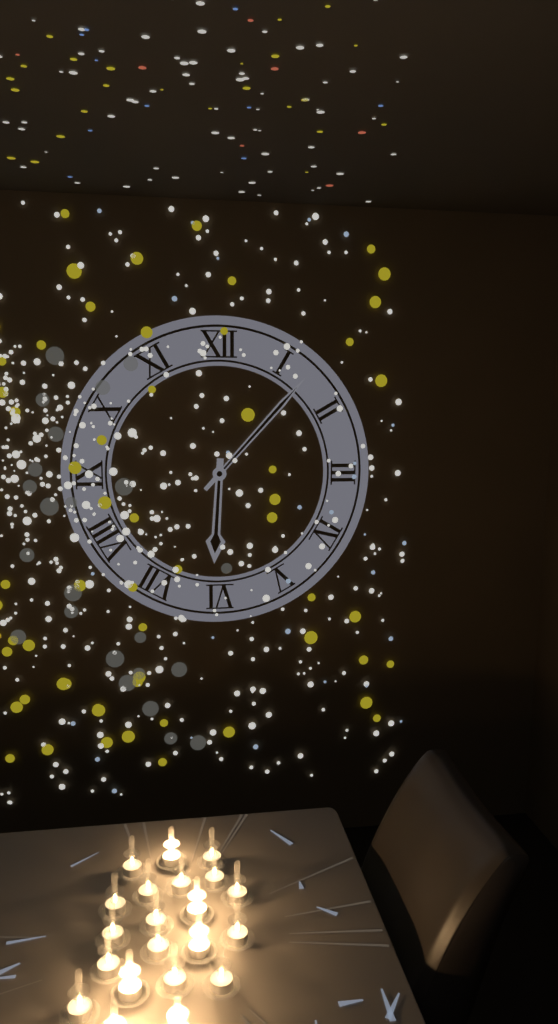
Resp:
**6:07**
